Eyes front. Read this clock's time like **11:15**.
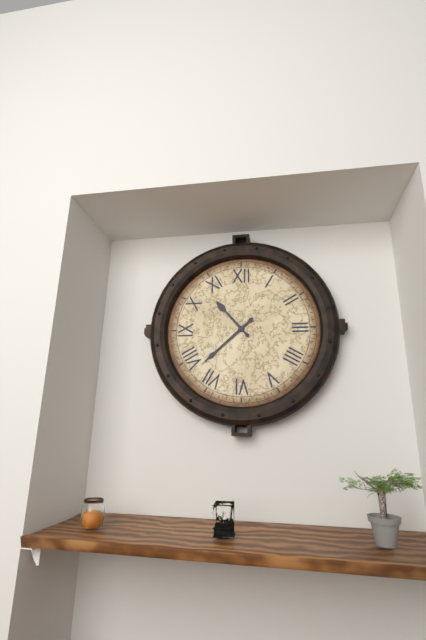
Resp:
**10:38**
